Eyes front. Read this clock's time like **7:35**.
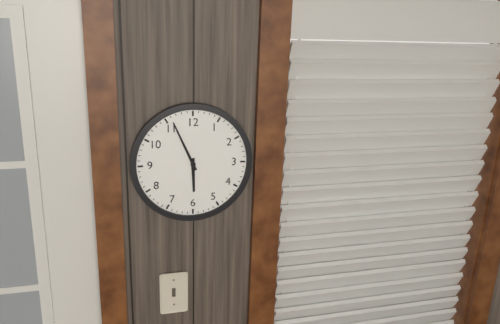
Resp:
**5:56**
